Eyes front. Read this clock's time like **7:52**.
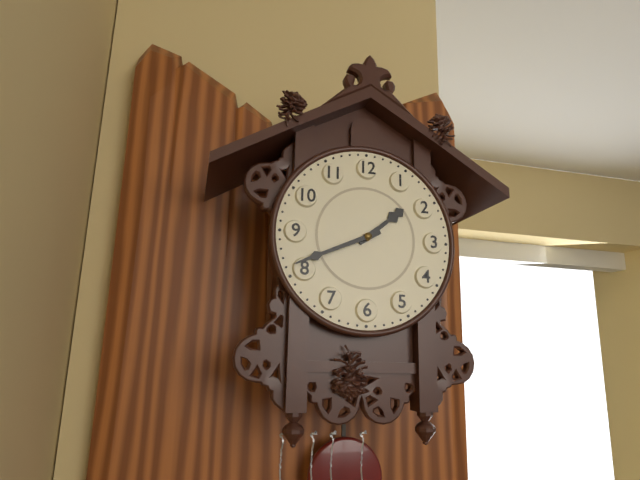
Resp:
**1:41**
